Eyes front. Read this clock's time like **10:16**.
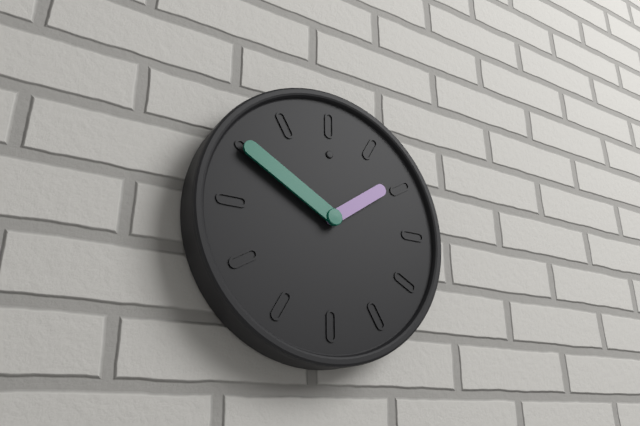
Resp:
**1:50**
